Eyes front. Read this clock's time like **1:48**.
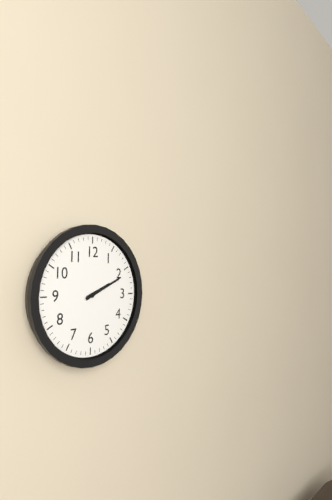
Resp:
**2:11**
